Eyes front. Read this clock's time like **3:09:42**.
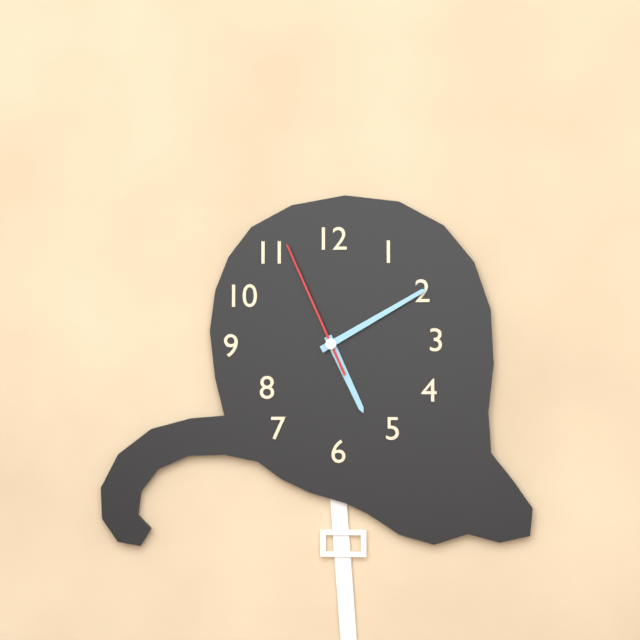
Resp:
**5:10:56**
